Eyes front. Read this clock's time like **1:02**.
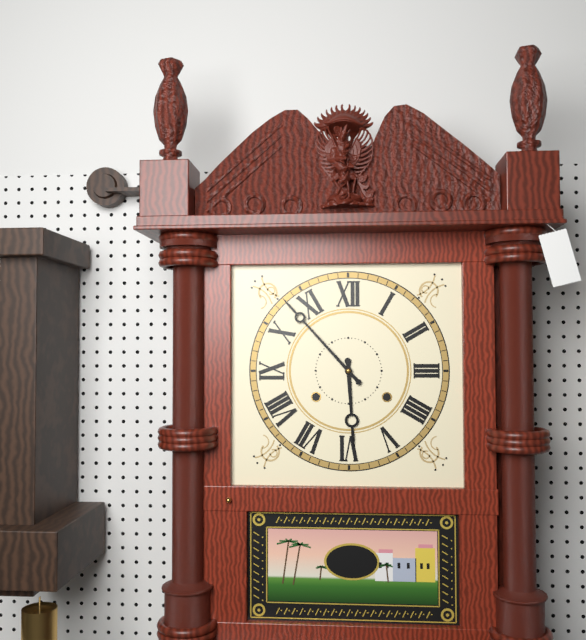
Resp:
**5:53**
